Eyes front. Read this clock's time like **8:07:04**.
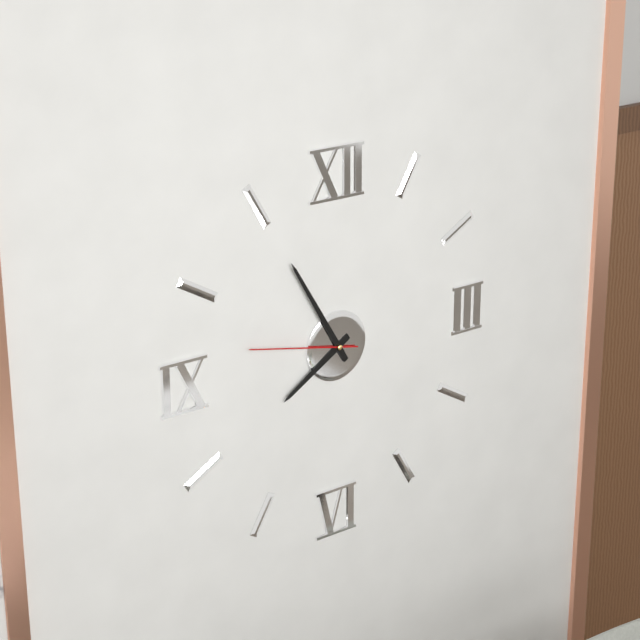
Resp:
**7:55:47**
